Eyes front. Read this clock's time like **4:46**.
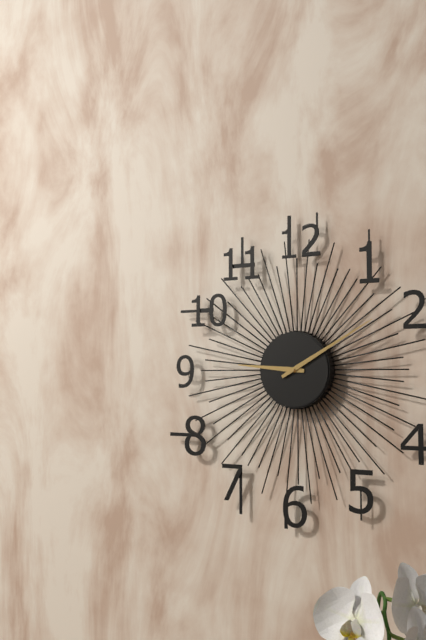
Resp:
**9:10**
